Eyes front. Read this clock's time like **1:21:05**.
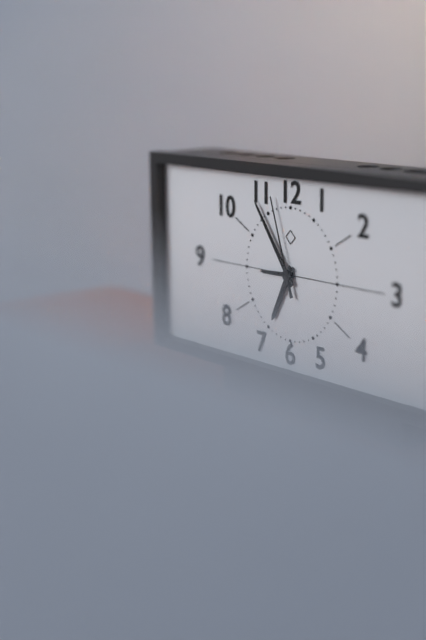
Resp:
**6:54:57**
